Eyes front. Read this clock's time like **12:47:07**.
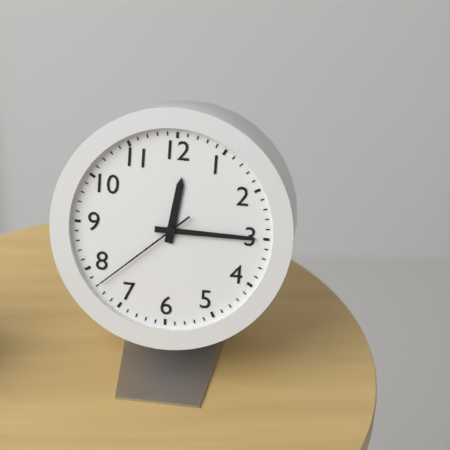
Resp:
**12:15:38**
